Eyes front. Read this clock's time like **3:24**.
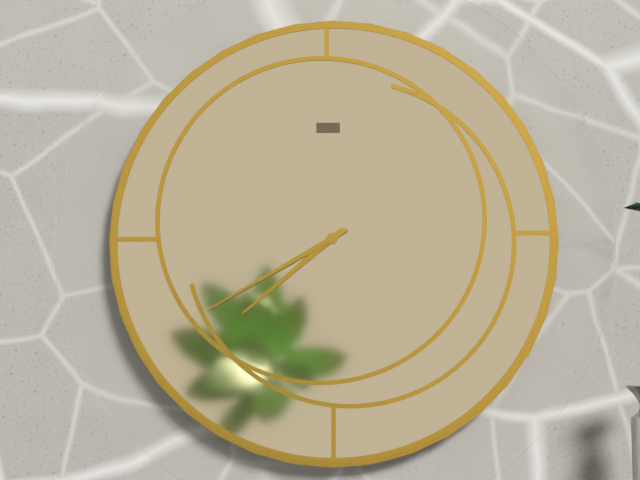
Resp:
**7:40**
